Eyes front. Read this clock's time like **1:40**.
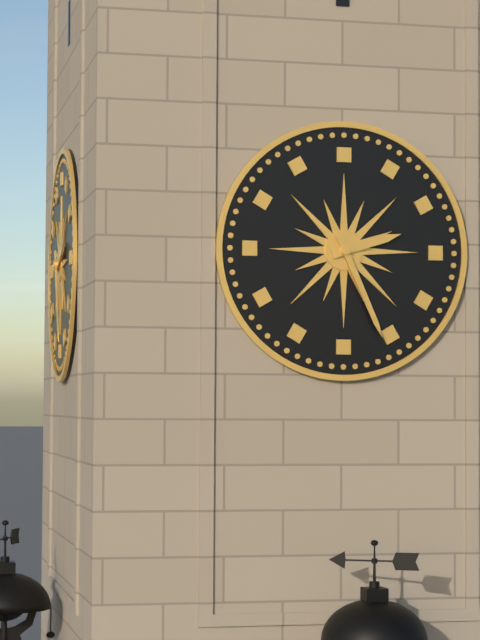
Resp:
**2:26**
